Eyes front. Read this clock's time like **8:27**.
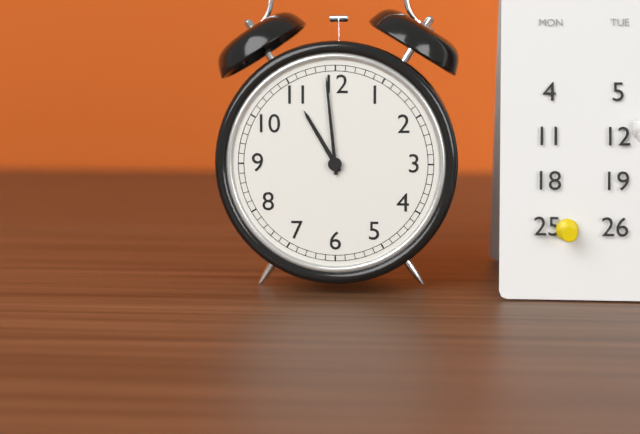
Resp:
**10:59**
